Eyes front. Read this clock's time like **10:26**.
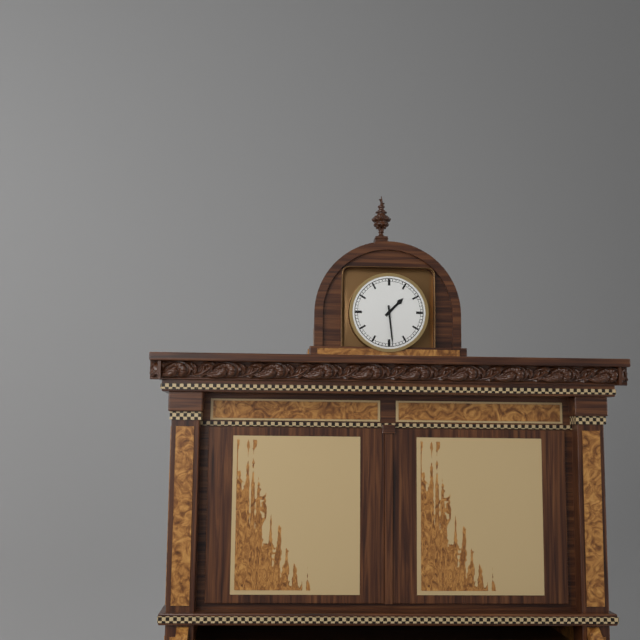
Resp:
**1:29**
